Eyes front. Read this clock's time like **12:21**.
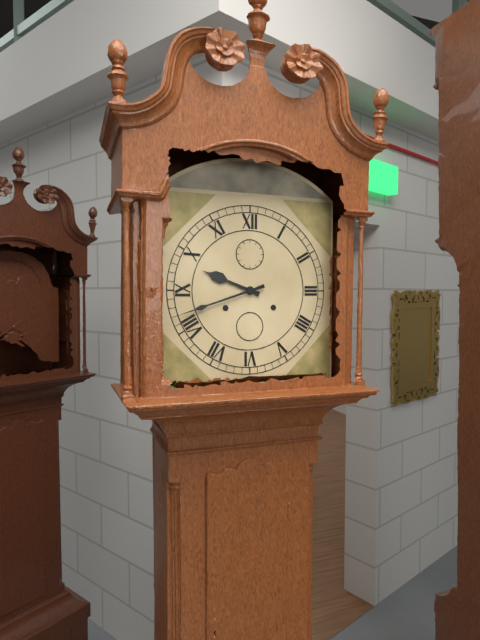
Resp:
**9:42**
